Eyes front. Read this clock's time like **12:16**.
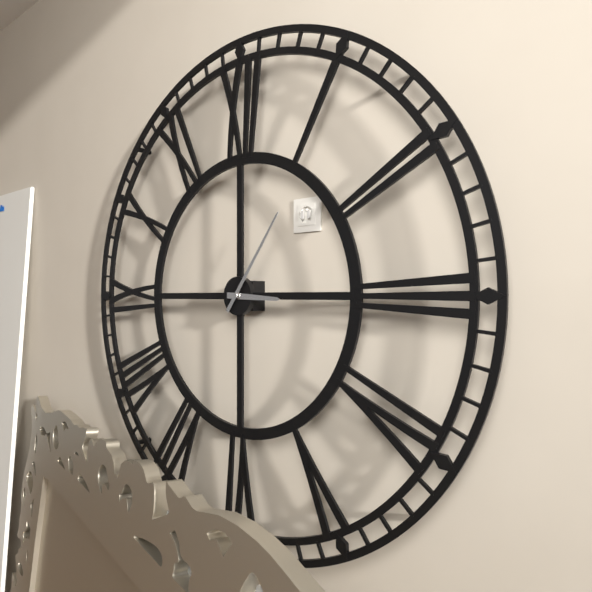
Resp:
**3:06**
